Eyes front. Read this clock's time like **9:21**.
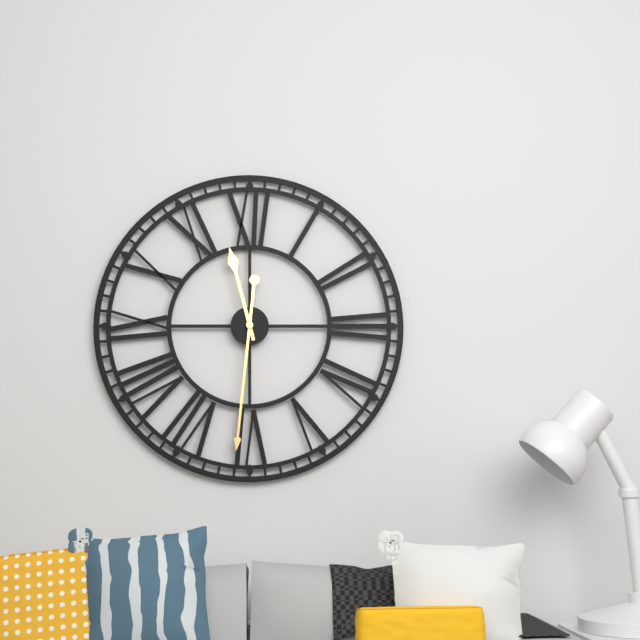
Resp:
**11:31**
